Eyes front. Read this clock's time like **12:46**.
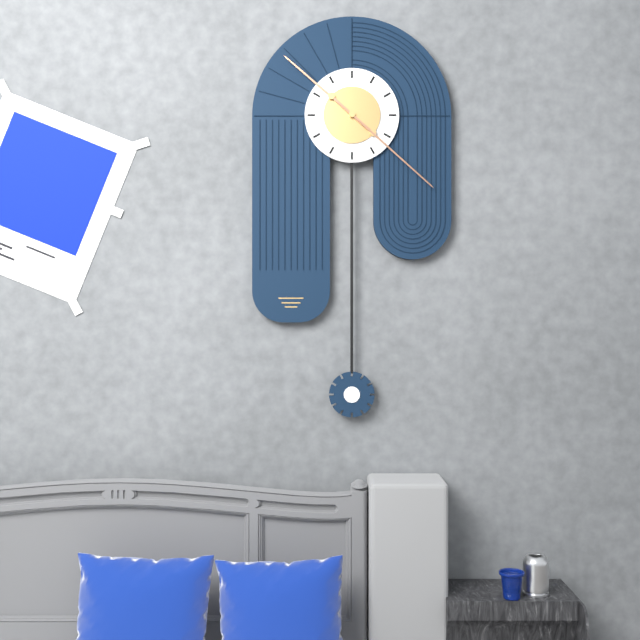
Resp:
**10:22**
